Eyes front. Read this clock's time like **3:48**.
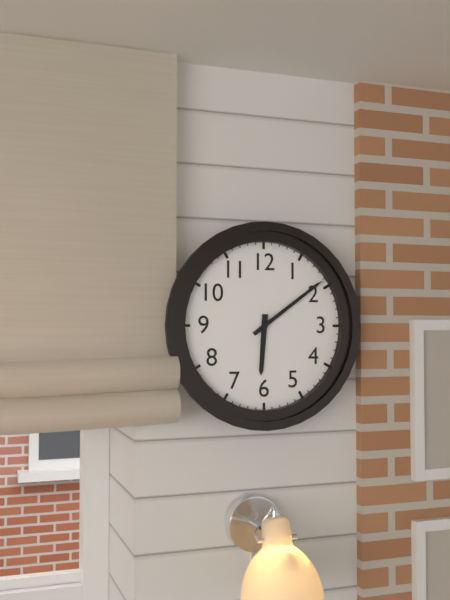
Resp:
**6:09**
